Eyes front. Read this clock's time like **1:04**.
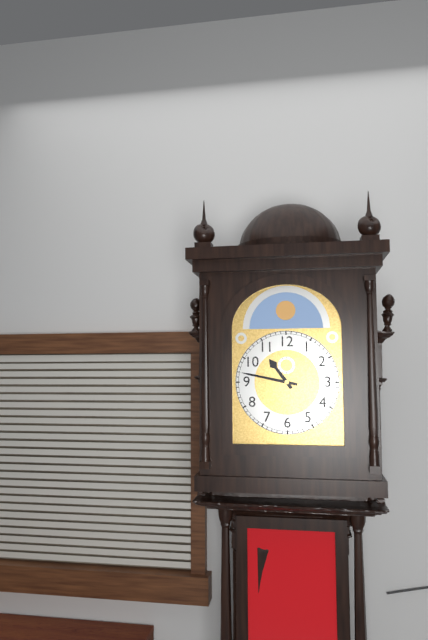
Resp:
**10:47**
